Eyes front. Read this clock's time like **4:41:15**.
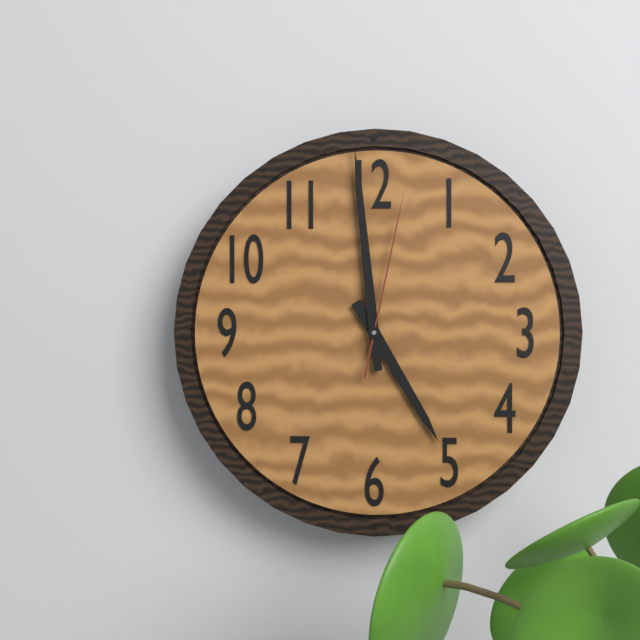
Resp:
**4:59:02**
